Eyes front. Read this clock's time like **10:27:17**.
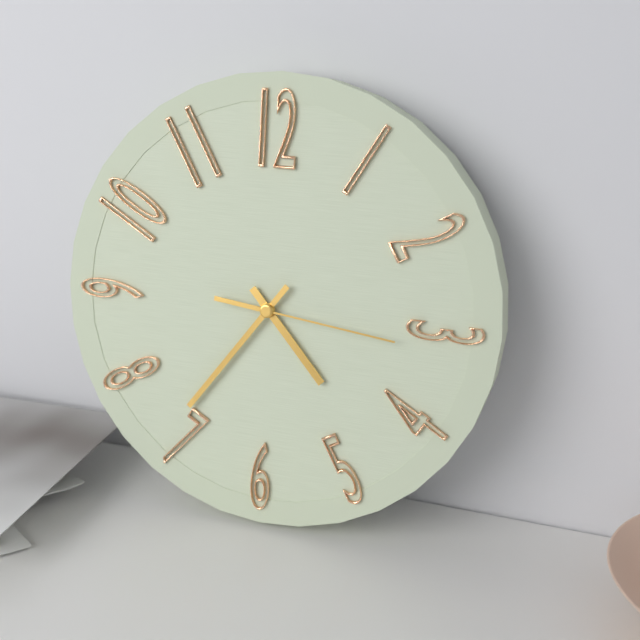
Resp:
**4:36:16**
